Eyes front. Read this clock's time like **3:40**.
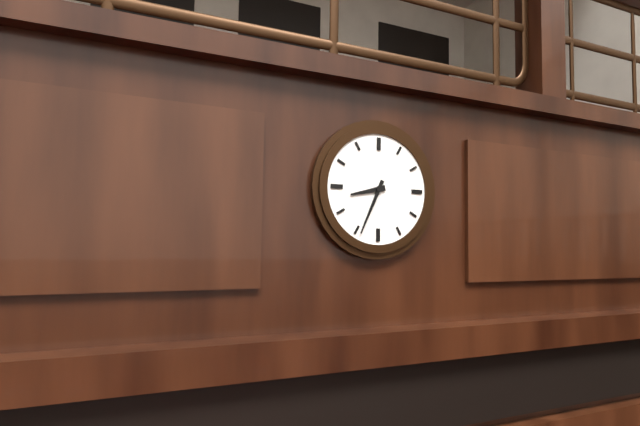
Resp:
**8:34**
